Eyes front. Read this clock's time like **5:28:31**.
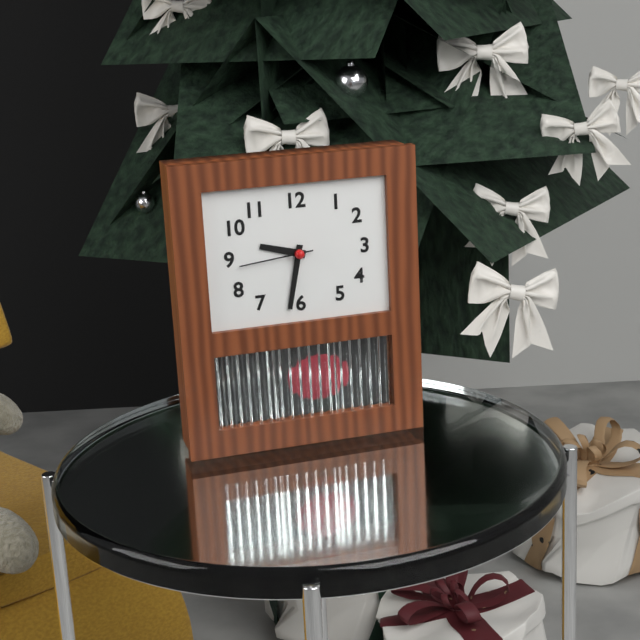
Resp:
**9:32:44**
